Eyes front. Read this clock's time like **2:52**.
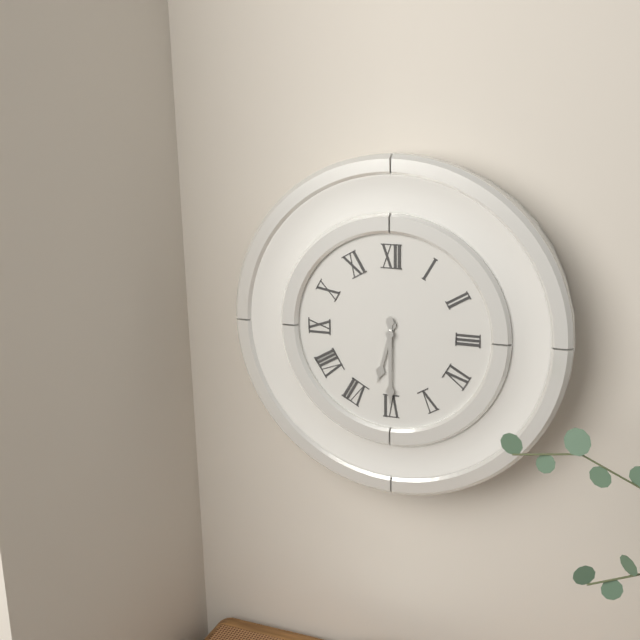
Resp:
**6:30**
